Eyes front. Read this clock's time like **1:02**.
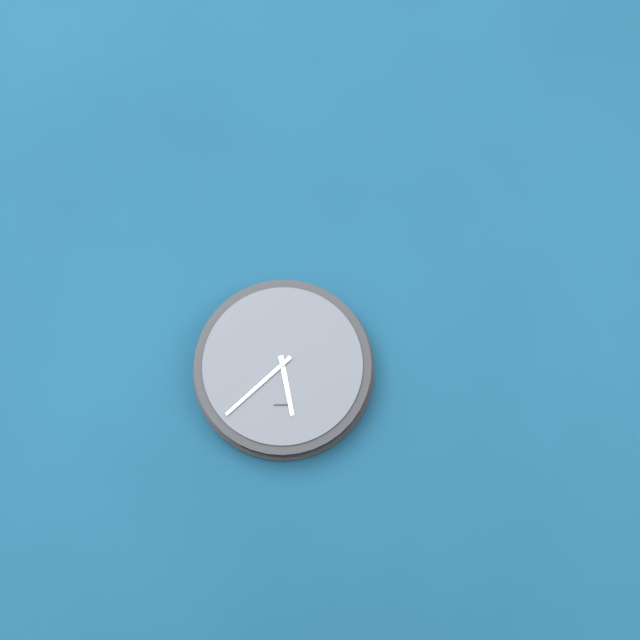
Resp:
**5:38**
